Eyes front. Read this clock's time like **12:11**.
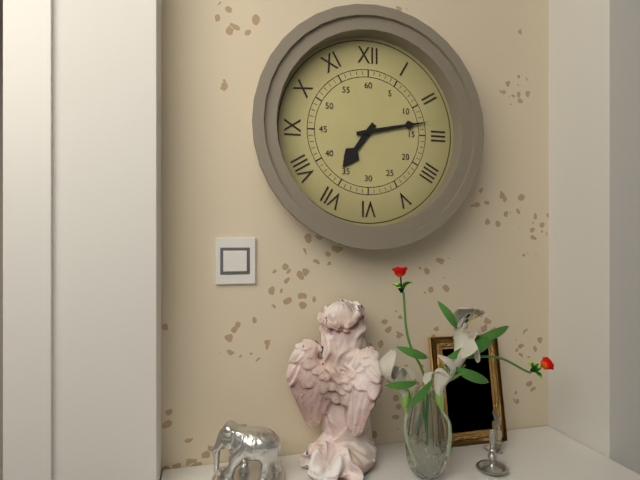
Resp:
**7:13**
